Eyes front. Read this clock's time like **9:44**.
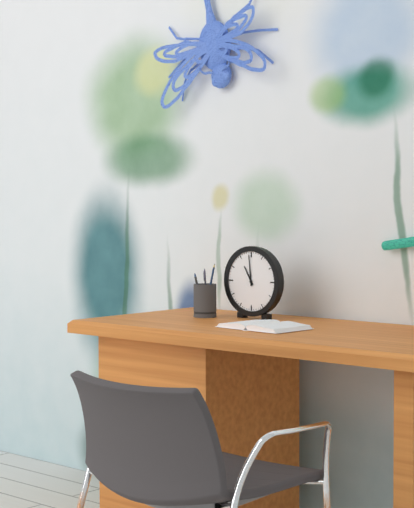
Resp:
**10:59**
